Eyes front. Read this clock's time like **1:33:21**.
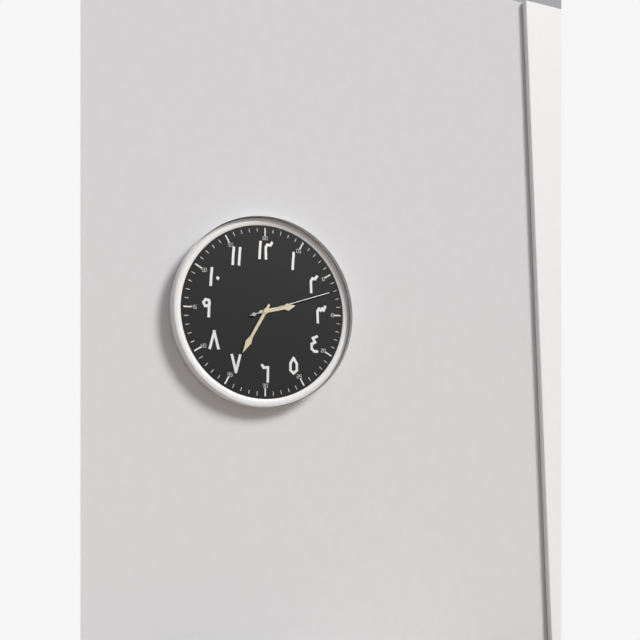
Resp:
**2:35:12**
